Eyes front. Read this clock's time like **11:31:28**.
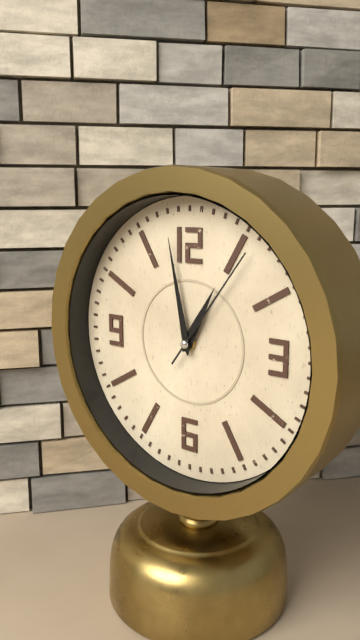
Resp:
**12:58:06**
